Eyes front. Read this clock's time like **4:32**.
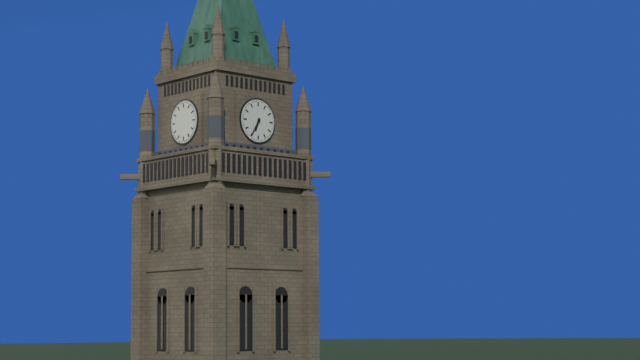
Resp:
**6:35**
